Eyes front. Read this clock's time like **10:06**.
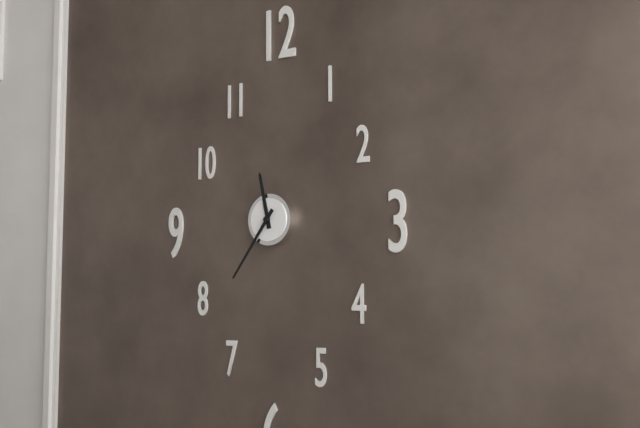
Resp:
**11:36**
